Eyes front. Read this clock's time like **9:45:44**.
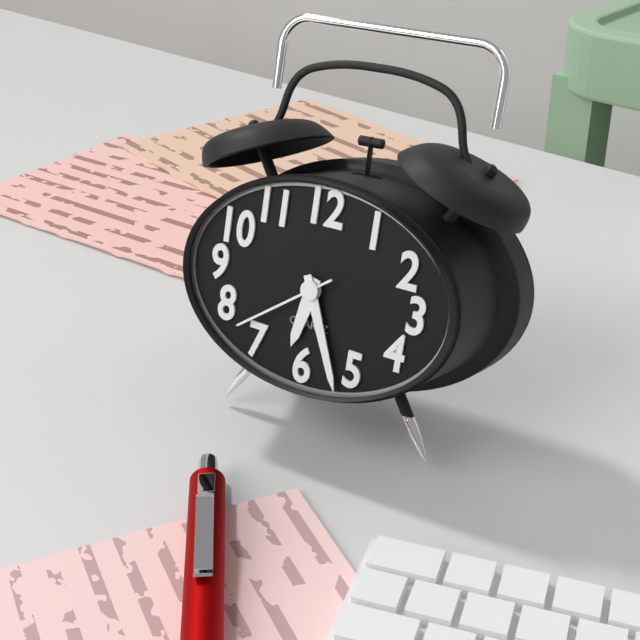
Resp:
**6:26:39**
